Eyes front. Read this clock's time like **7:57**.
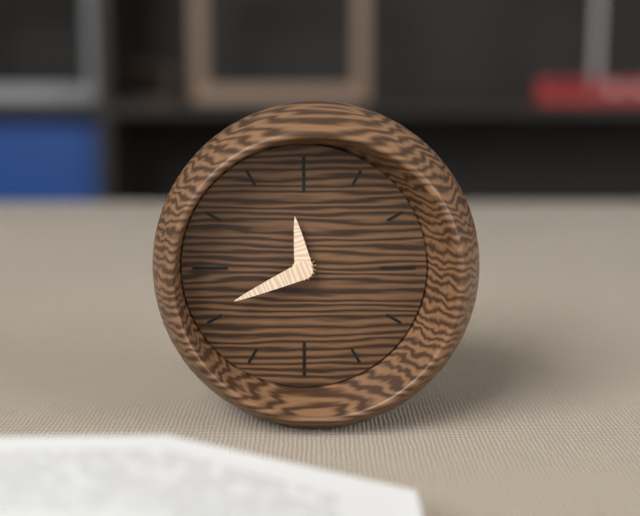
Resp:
**11:41**
